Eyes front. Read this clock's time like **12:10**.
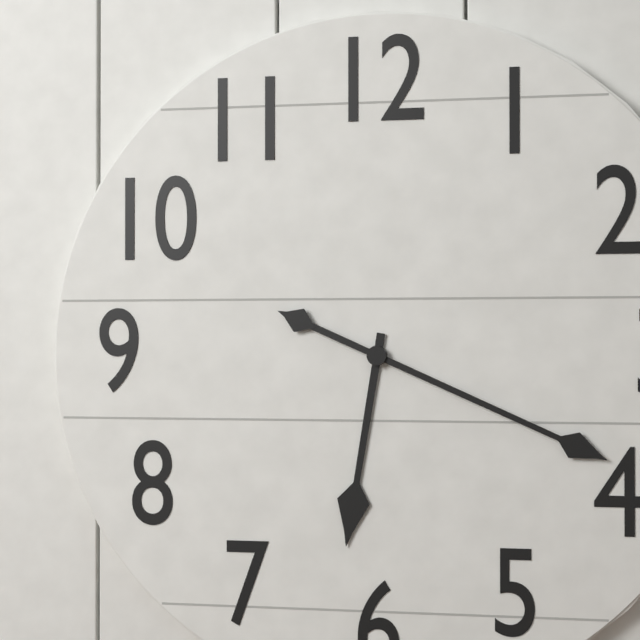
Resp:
**6:19**
